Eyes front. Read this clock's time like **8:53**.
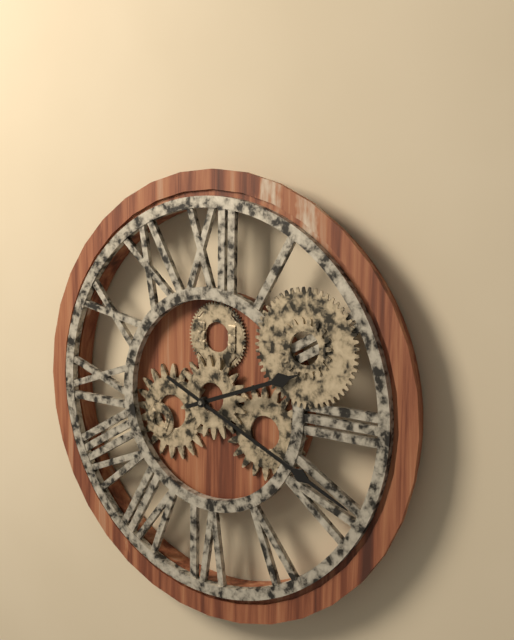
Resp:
**2:19**
